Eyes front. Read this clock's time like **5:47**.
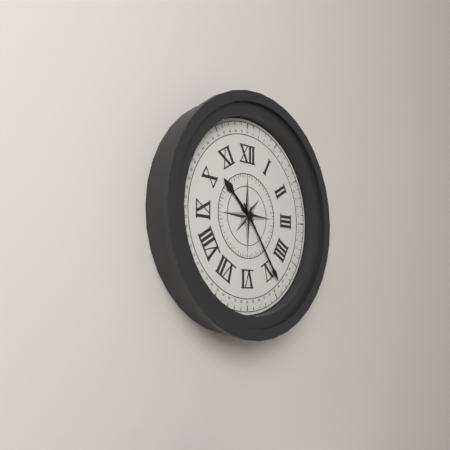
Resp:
**10:24**
